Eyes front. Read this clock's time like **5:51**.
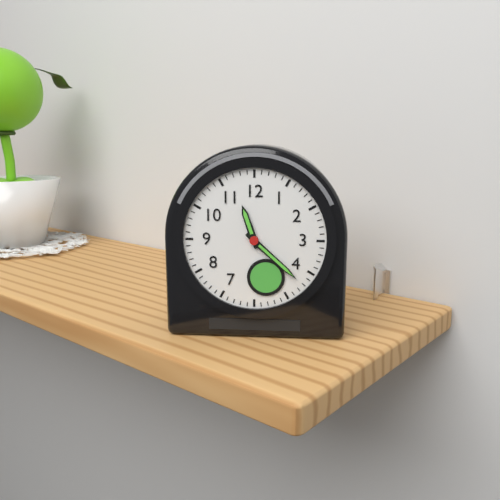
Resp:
**11:22**
